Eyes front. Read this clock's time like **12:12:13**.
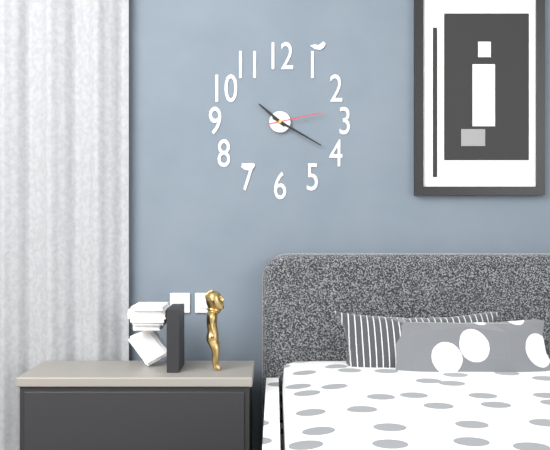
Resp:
**10:20:13**
